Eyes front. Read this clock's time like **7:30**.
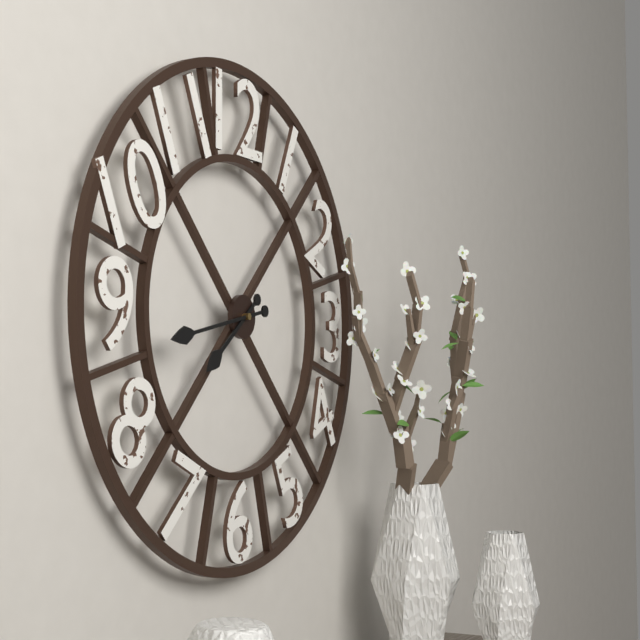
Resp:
**7:43**
